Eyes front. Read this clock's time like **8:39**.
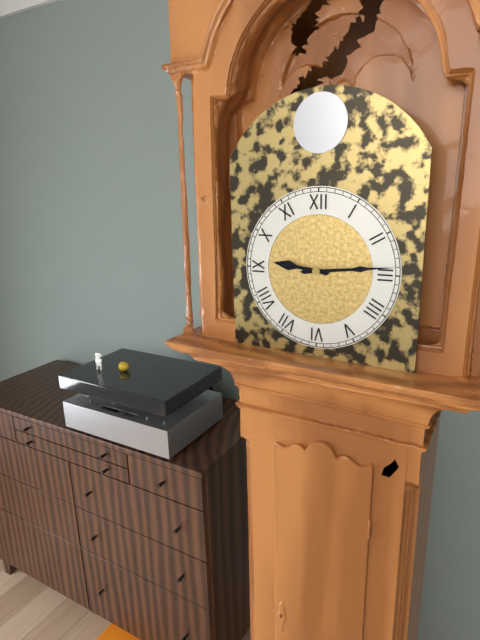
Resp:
**9:14**
